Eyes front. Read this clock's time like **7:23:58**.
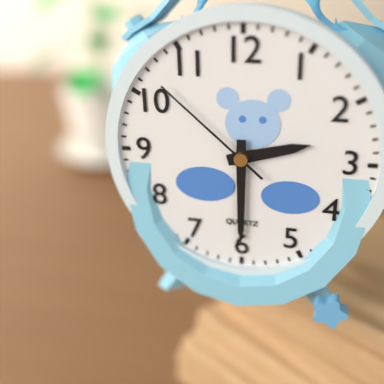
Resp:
**2:30:52**
